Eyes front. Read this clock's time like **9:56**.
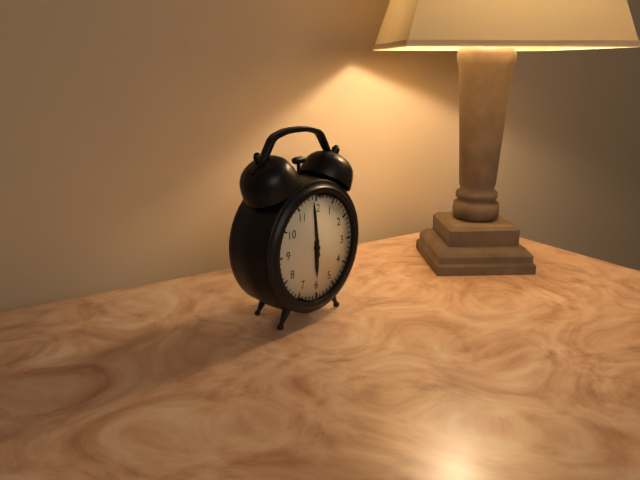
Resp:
**5:59**
